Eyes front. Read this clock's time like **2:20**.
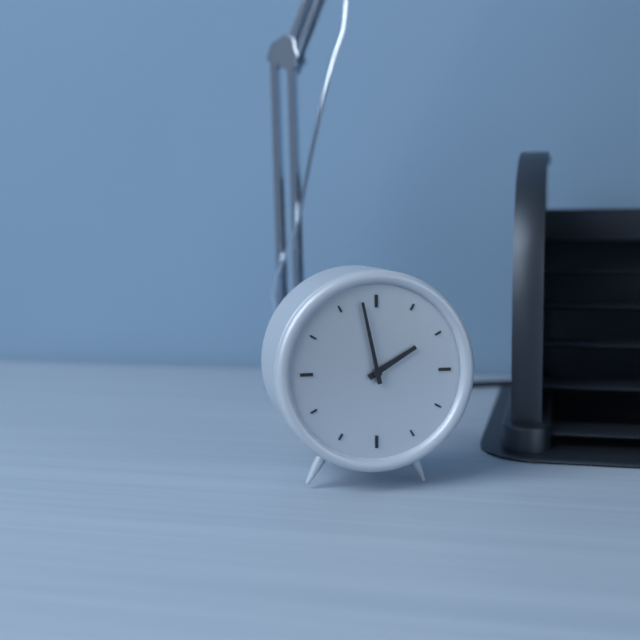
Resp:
**1:58**
